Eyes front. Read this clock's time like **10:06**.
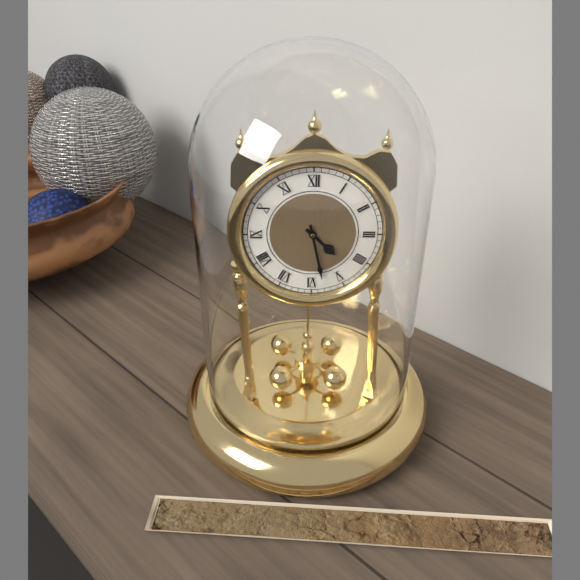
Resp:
**4:28**
